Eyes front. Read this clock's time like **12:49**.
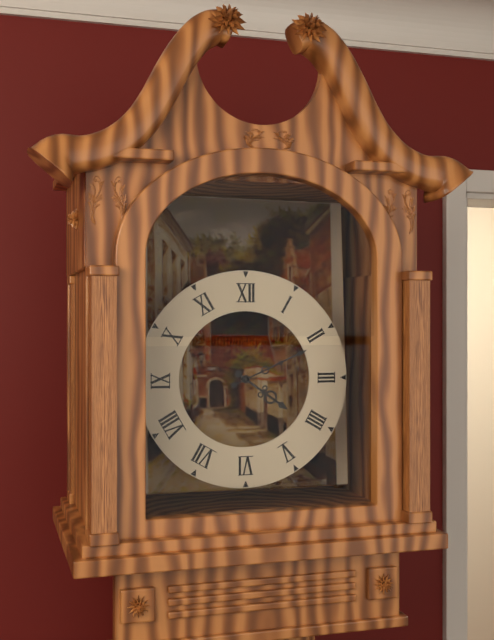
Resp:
**4:11**
